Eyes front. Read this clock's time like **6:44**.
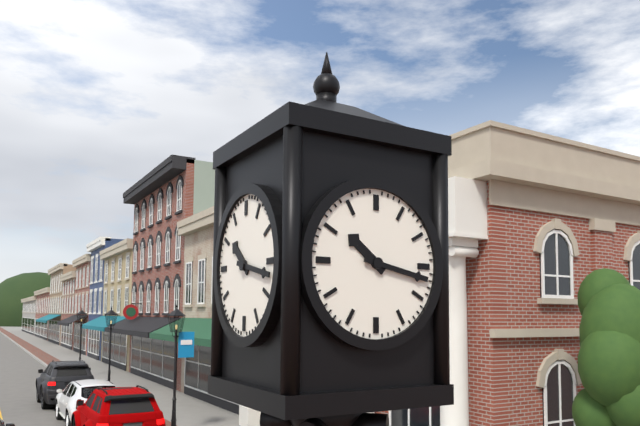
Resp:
**10:17**
